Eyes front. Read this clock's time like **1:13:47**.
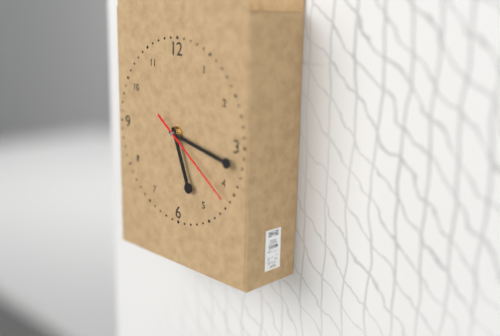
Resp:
**5:17:21**
